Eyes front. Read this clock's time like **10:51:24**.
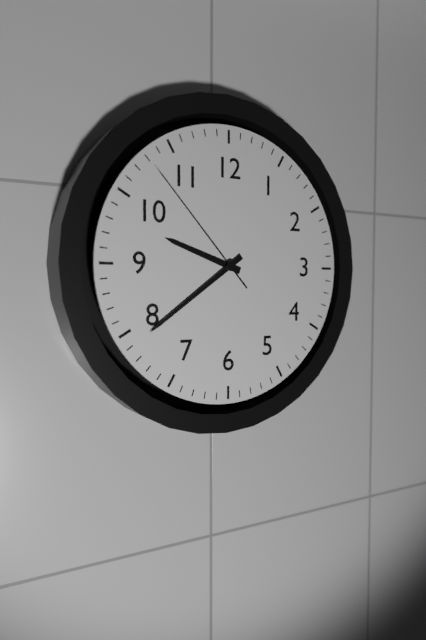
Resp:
**9:39:53**
